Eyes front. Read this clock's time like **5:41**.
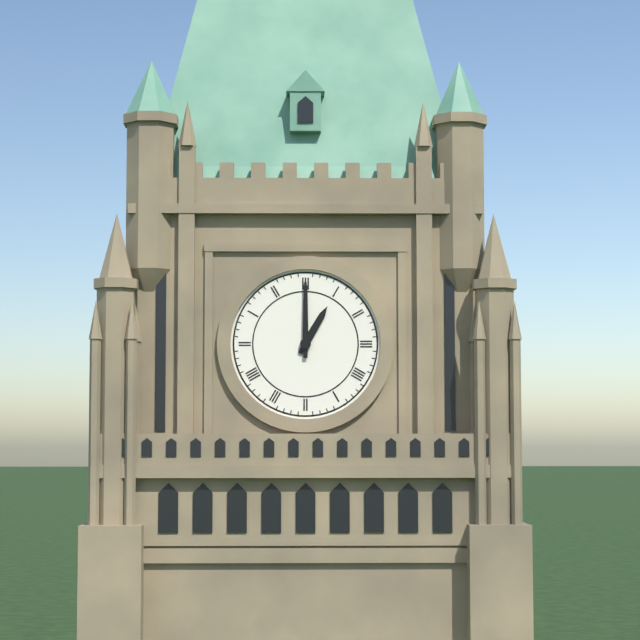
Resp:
**1:00**
